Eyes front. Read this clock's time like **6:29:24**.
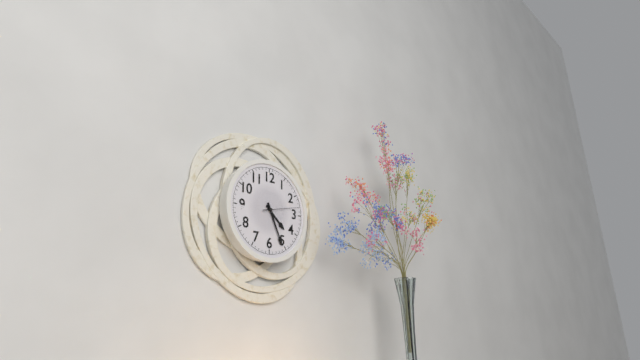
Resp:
**4:26:13**
